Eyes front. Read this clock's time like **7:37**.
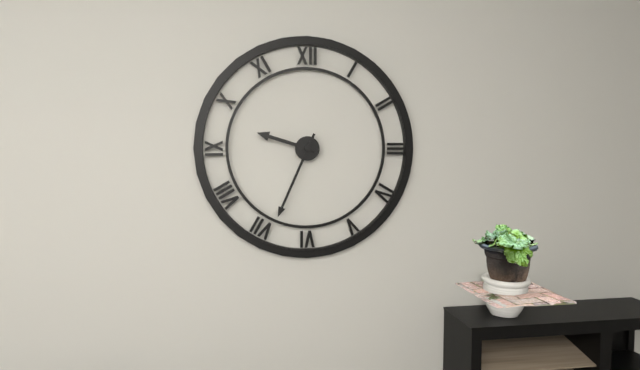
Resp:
**9:34**
